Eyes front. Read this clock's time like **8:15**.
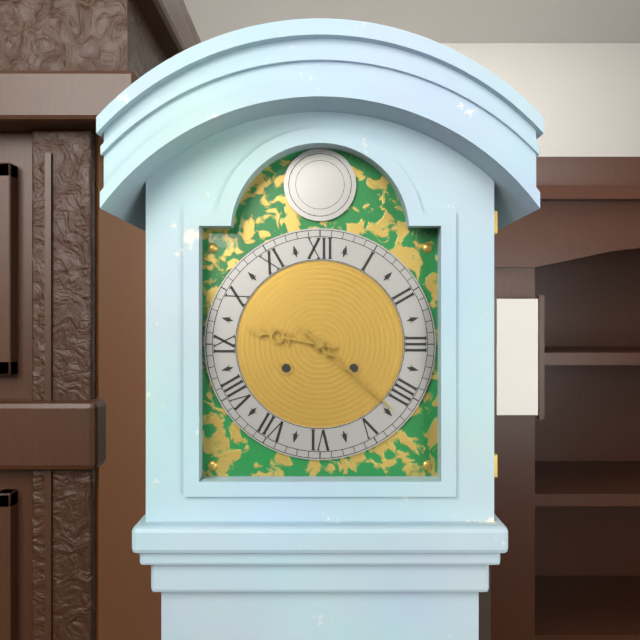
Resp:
**9:22**
